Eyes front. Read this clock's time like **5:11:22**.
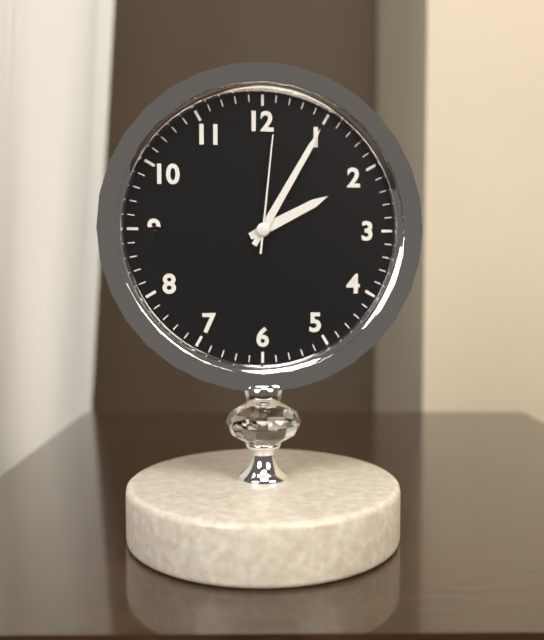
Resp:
**2:05:01**
